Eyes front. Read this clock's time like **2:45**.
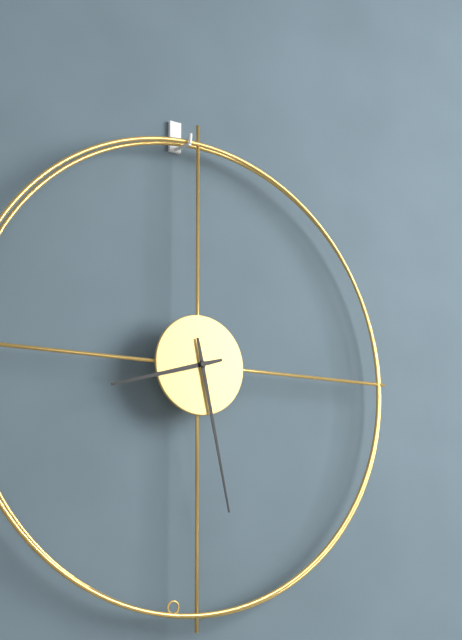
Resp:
**8:28**
